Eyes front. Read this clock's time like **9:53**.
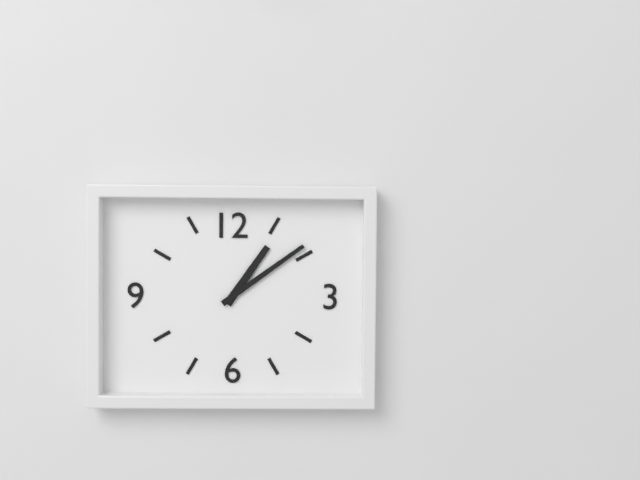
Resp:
**1:09**
